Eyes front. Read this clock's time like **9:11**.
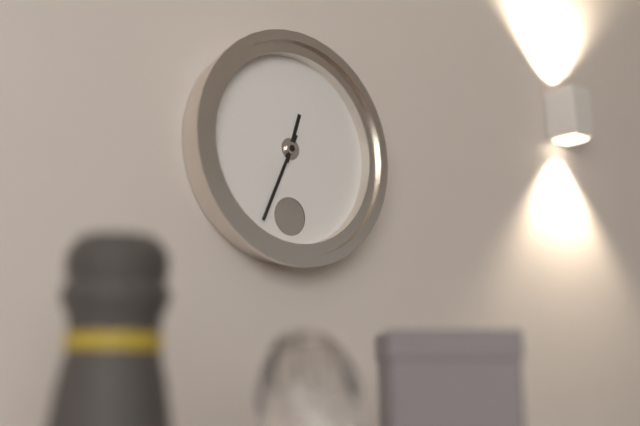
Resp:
**12:34**
